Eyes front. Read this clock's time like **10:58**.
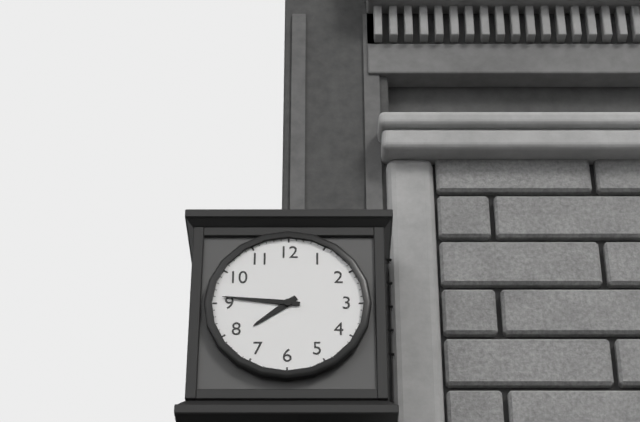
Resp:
**7:46**
